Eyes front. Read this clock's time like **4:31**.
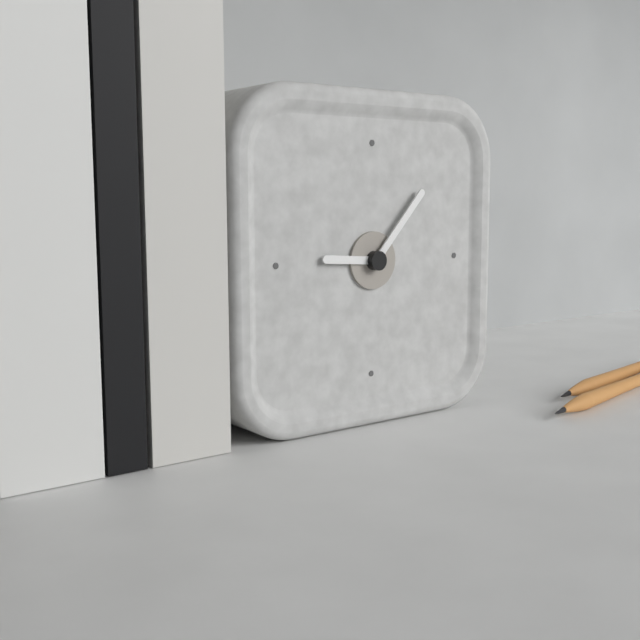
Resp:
**9:07**
